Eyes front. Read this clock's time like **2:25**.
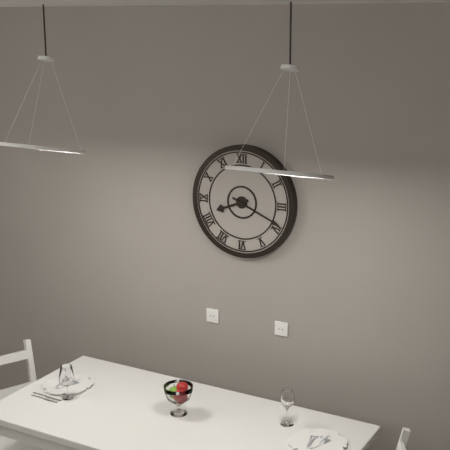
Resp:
**8:19**
